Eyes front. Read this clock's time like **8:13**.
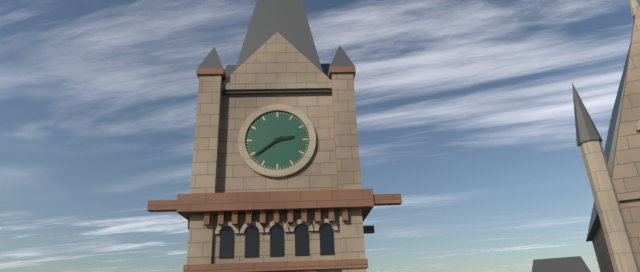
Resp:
**2:39**
